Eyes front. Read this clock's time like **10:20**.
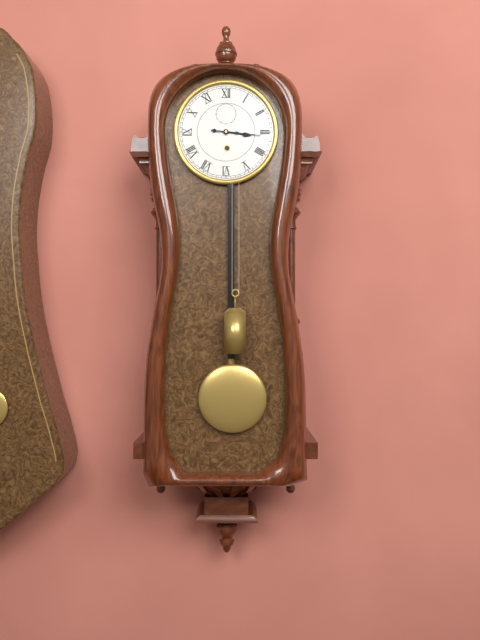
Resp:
**3:16**
